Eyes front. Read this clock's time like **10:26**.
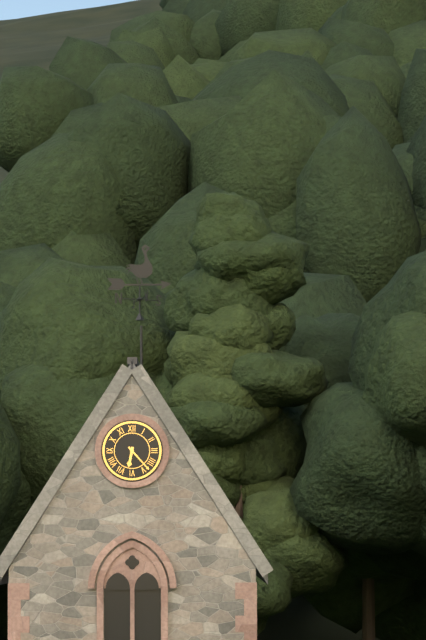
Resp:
**6:23**
